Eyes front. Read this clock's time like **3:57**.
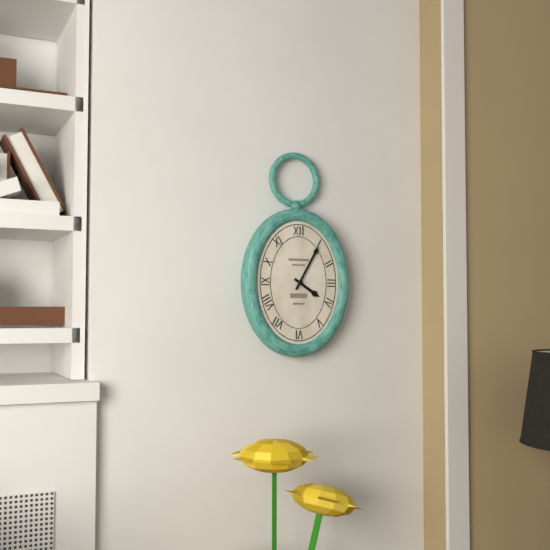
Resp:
**4:05**
